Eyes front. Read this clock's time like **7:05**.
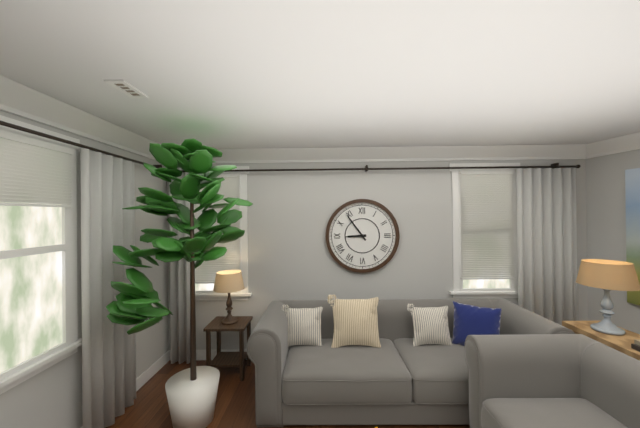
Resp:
**8:54**
